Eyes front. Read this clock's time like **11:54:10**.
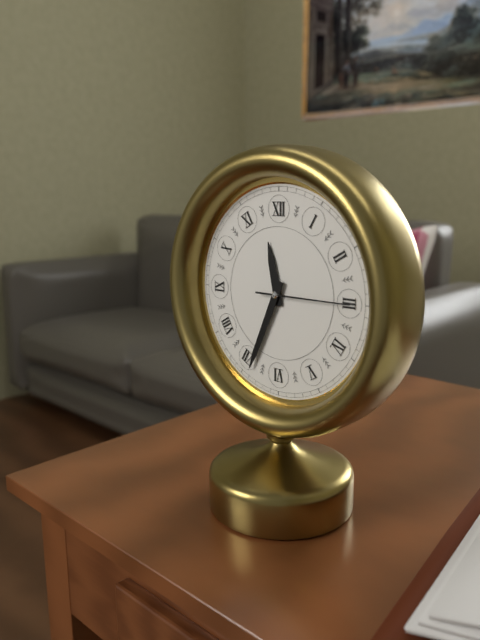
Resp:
**11:34:15**
